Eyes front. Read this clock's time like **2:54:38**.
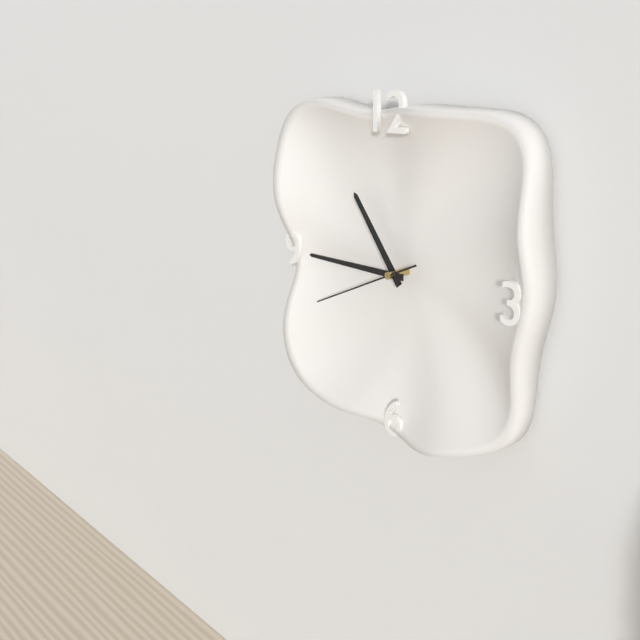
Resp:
**10:45:41**
